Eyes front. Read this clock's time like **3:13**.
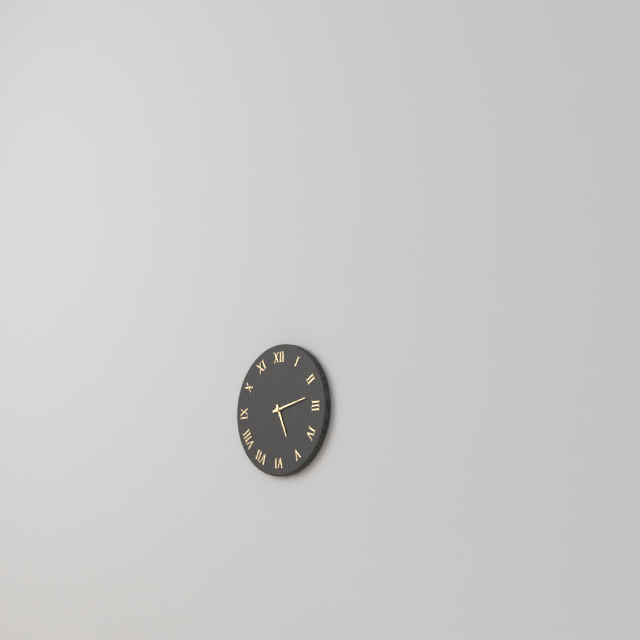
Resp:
**5:13**
